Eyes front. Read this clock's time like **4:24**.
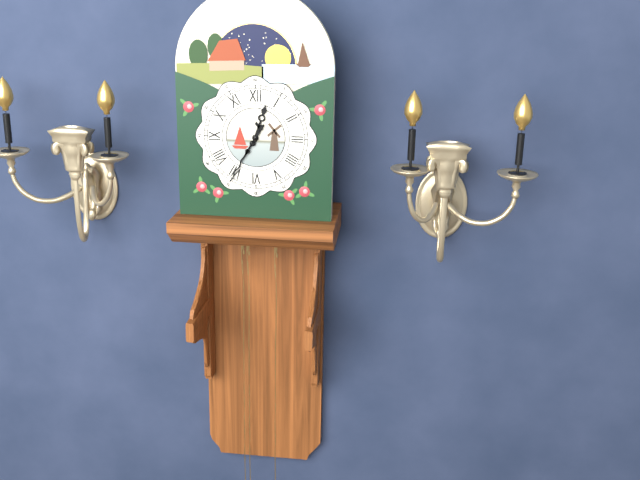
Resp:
**12:35**
